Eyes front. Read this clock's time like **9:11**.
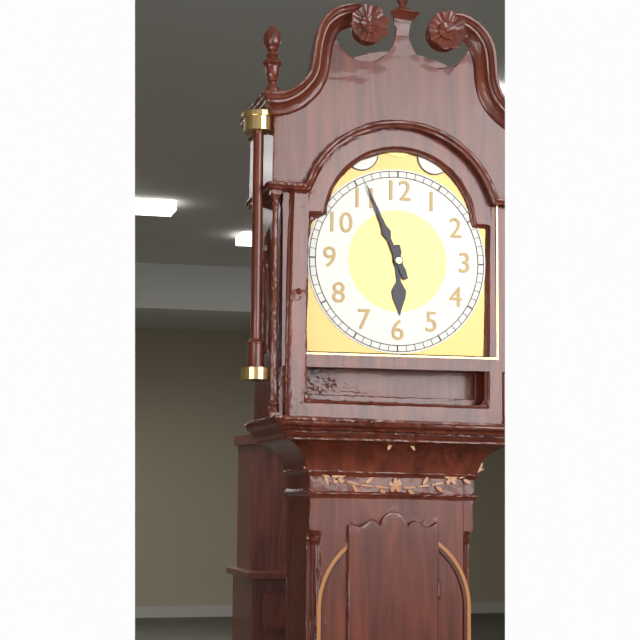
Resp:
**5:56**
